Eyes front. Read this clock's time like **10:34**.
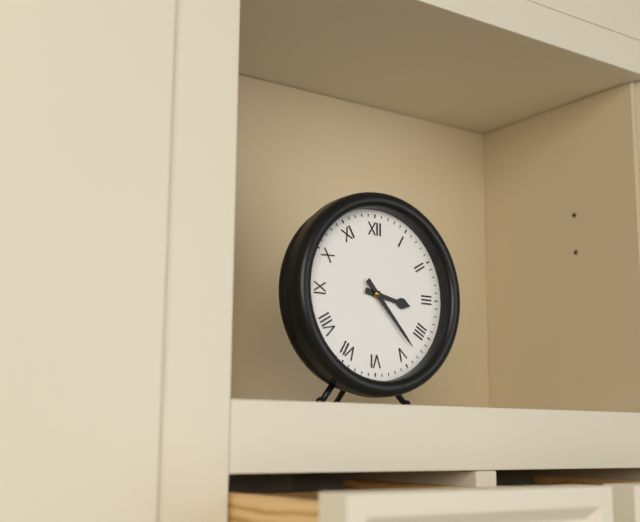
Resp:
**3:23**
